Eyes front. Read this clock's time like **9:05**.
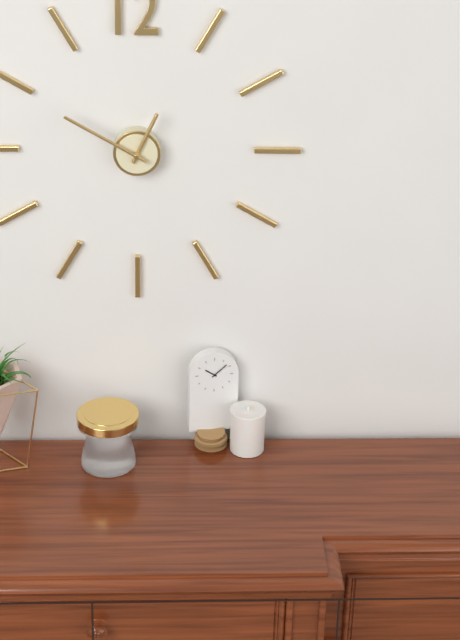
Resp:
**12:50**
